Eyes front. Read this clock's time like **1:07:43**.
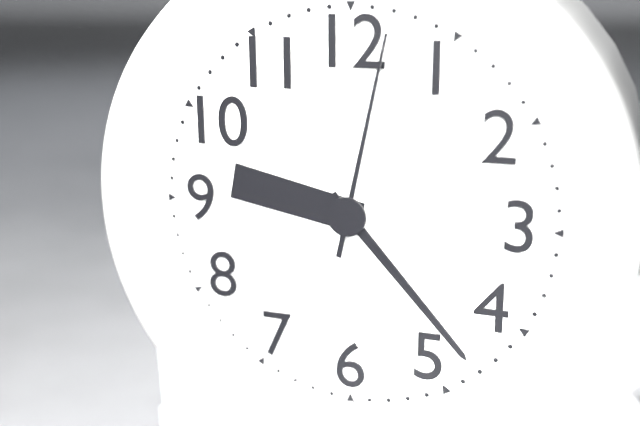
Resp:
**9:23:02**
